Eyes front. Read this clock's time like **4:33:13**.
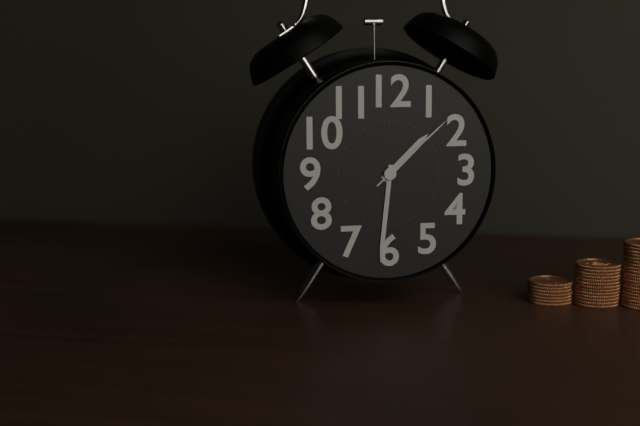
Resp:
**1:31:08**
